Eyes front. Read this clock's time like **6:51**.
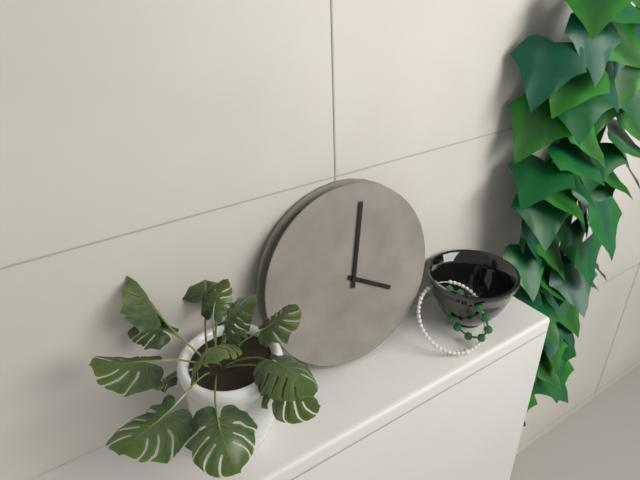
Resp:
**4:02**
